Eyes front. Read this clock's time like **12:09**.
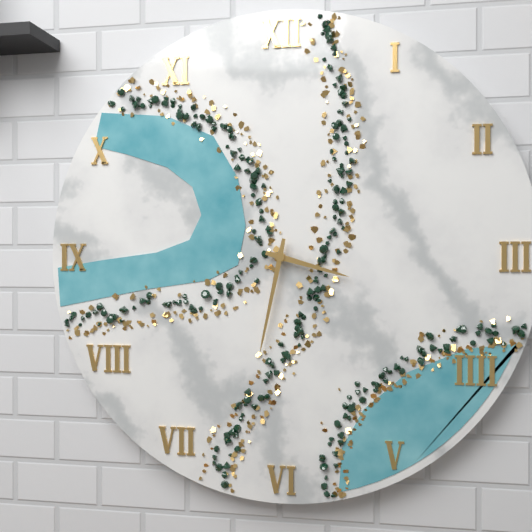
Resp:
**3:32**
